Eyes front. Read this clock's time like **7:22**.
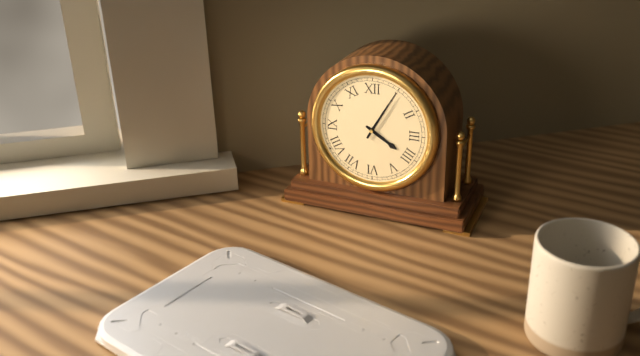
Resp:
**4:05**
